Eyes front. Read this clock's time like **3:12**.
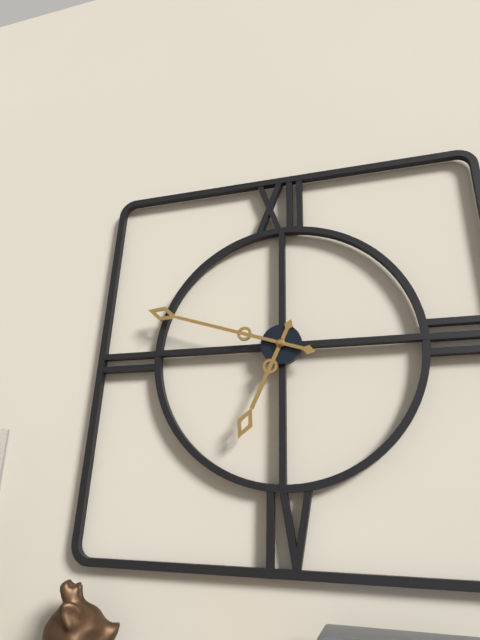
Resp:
**6:48**
